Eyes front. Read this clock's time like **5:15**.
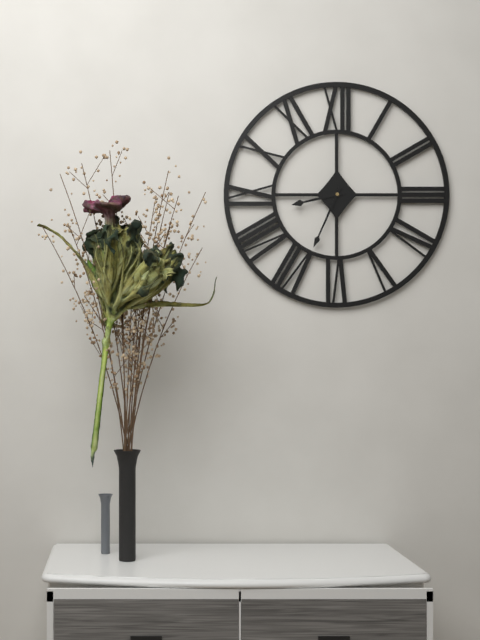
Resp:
**8:34**
